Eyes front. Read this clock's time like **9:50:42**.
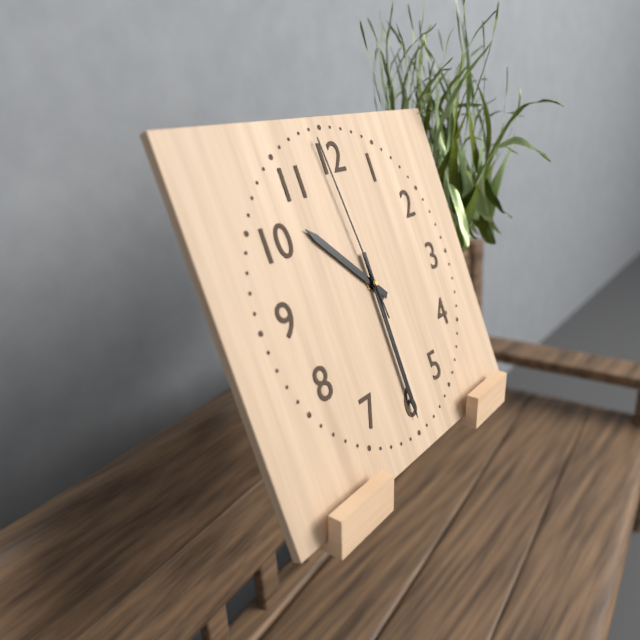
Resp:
**10:30:59**
